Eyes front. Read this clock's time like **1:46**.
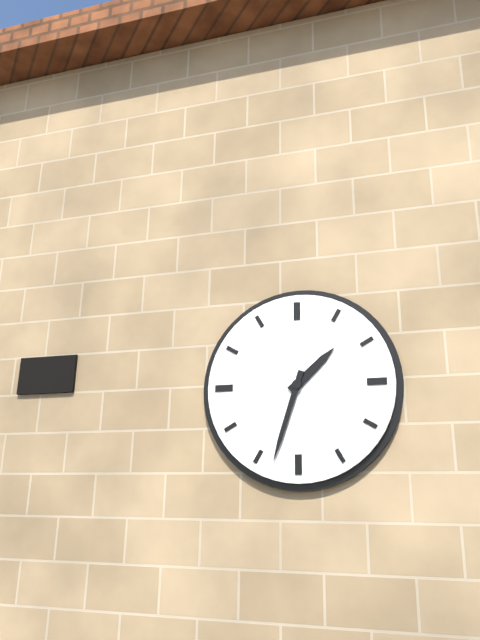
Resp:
**1:33**
